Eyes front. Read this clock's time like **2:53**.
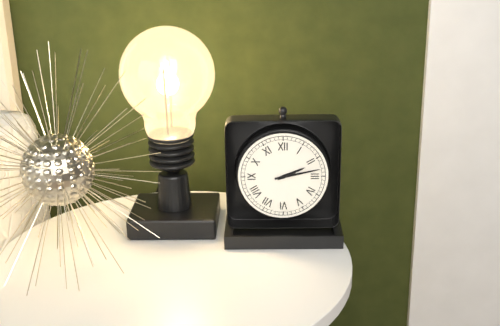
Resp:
**2:13**
